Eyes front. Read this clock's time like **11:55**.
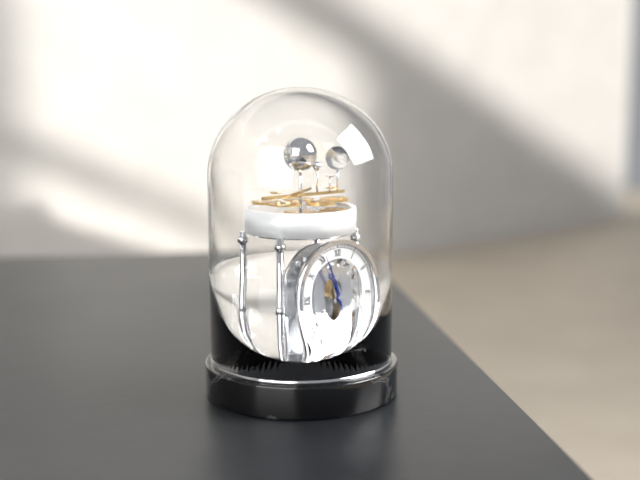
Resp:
**10:56**
